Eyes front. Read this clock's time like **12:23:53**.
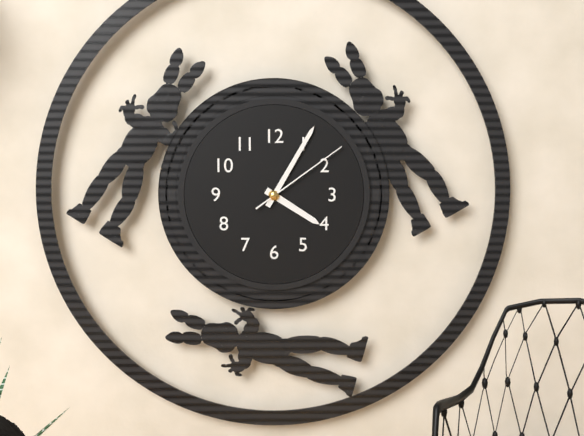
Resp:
**4:05:09**
